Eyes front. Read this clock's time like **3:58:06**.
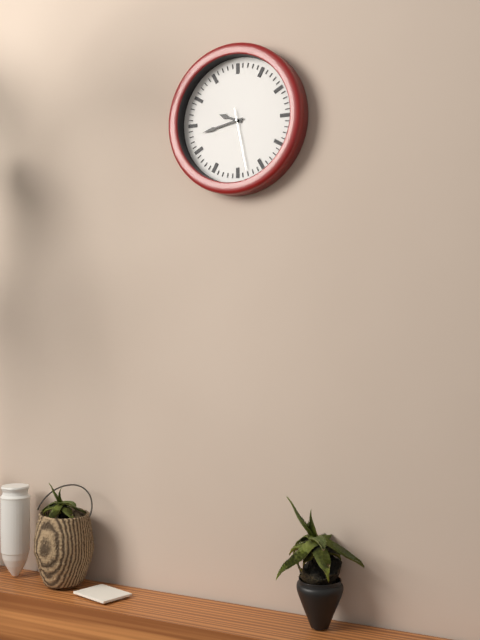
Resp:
**9:43:28**
